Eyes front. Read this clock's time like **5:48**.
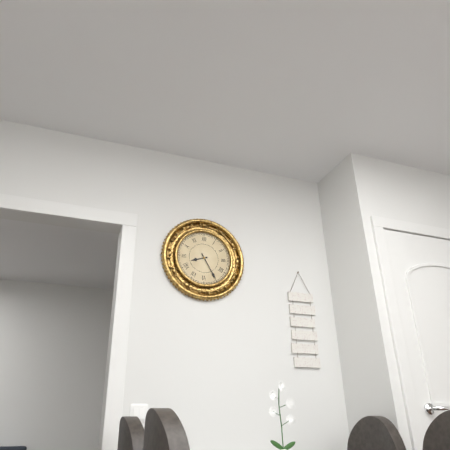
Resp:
**8:25**
